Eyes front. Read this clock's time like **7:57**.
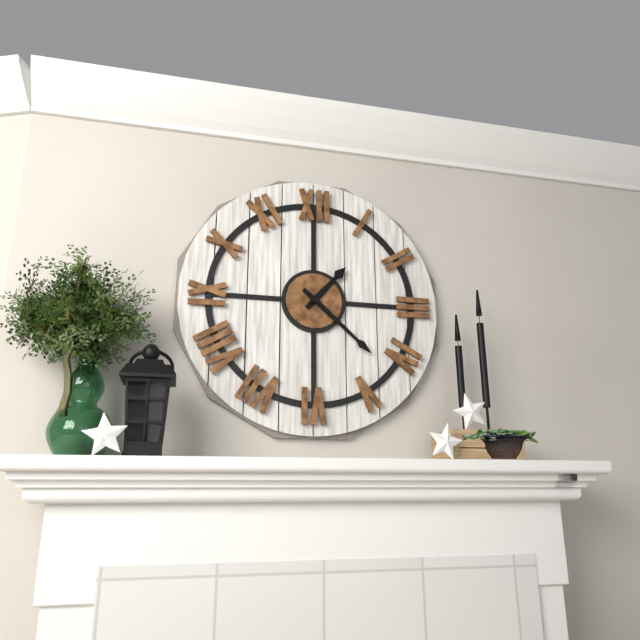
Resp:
**1:22**
